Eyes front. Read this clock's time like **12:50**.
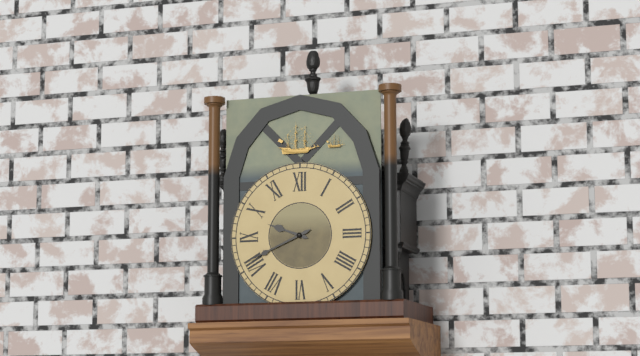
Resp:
**9:41**
